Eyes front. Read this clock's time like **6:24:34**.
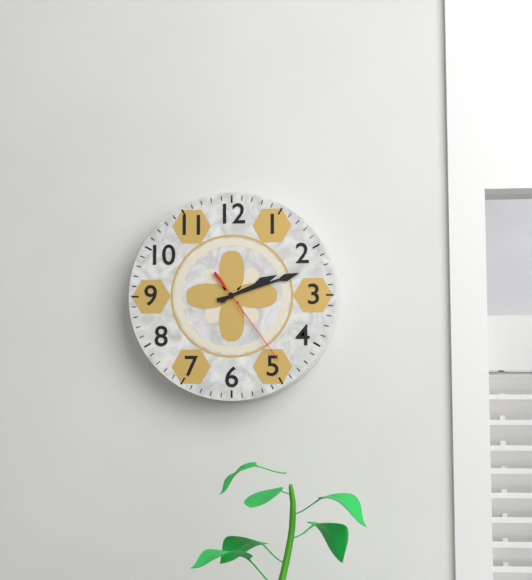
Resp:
**2:12:24**
